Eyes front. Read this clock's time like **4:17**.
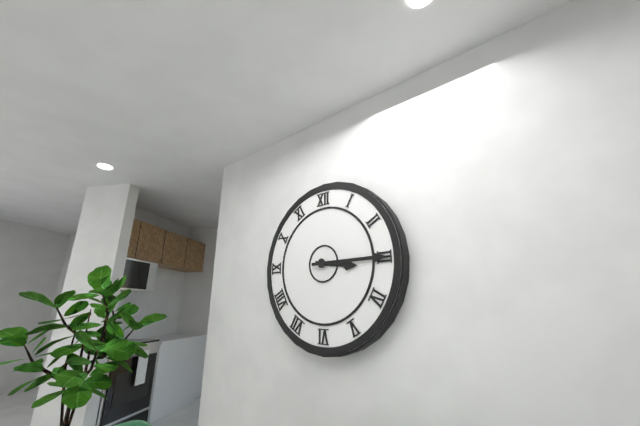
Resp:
**3:15**
